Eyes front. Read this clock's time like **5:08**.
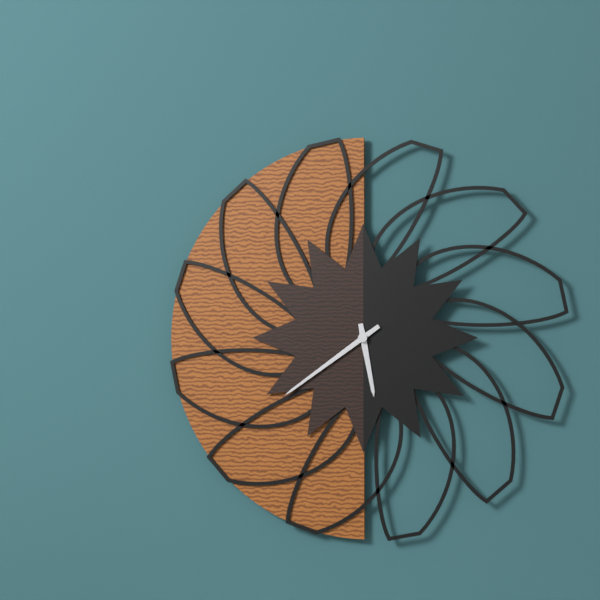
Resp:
**5:39**
